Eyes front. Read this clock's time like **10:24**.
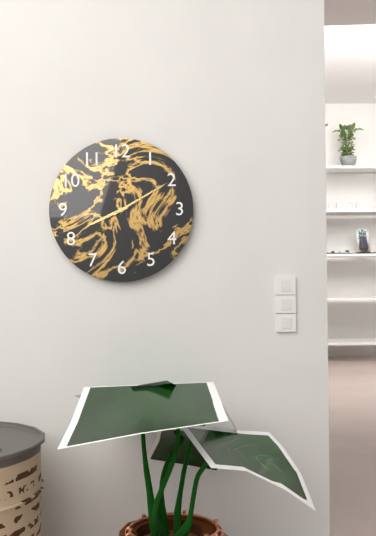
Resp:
**8:10**
